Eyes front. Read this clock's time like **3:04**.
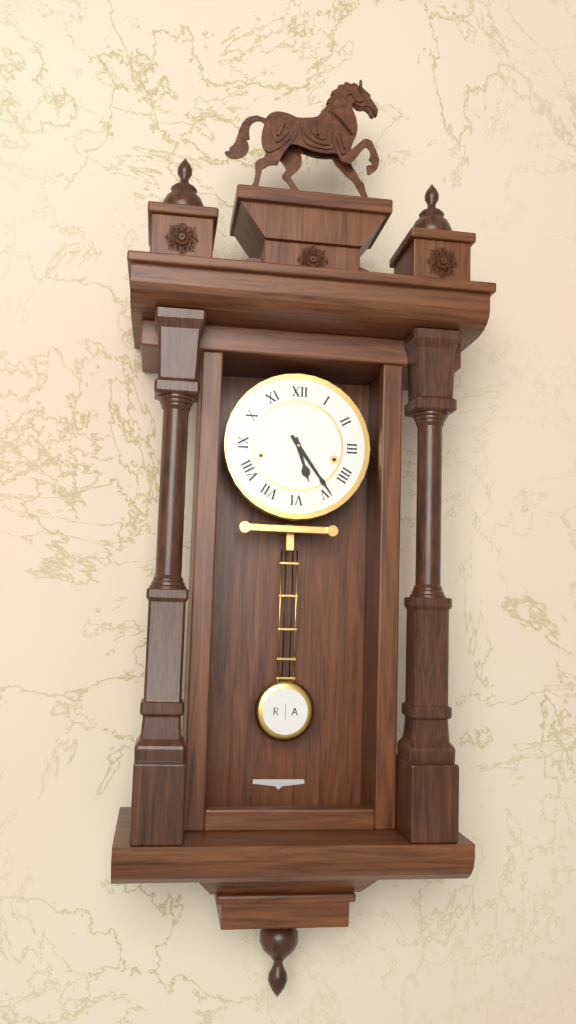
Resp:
**5:24**
